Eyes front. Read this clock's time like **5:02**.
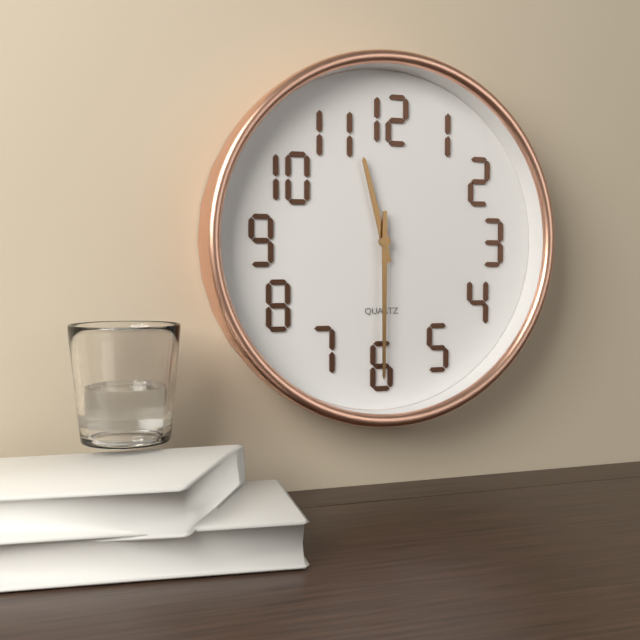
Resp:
**11:30**
